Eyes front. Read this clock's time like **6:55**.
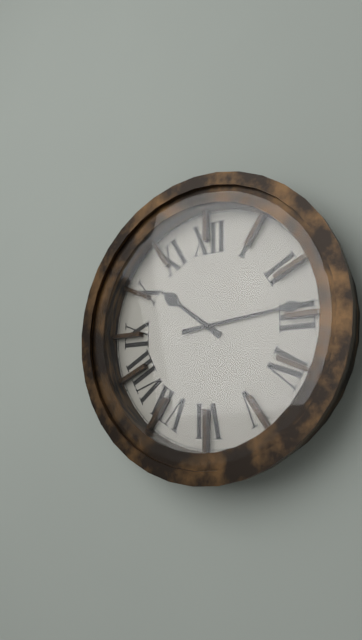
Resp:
**10:14**
